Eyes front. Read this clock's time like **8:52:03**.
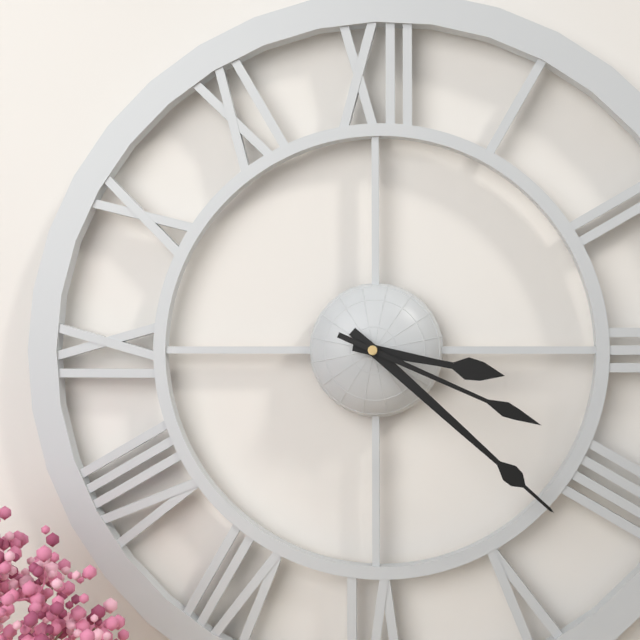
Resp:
**3:22:19**
